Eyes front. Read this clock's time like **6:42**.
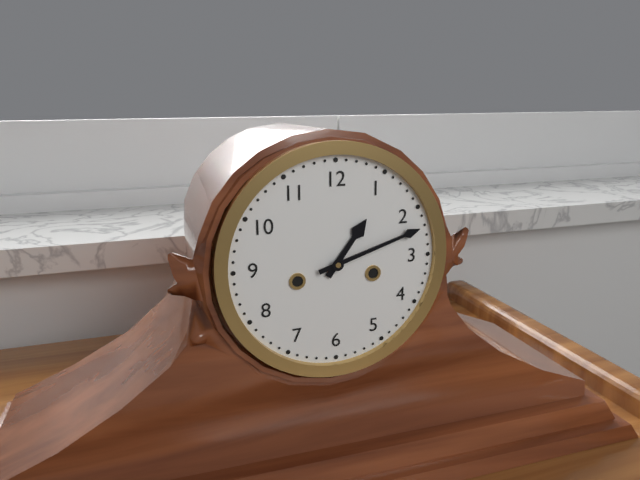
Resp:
**1:12**
